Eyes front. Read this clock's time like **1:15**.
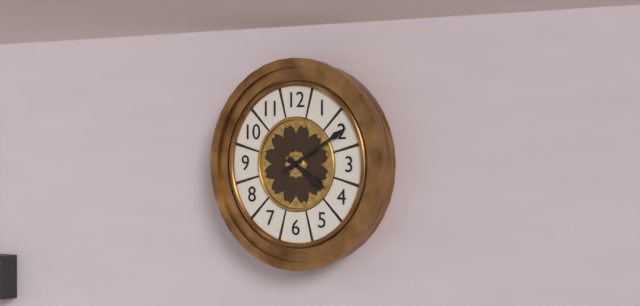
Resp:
**4:10**
